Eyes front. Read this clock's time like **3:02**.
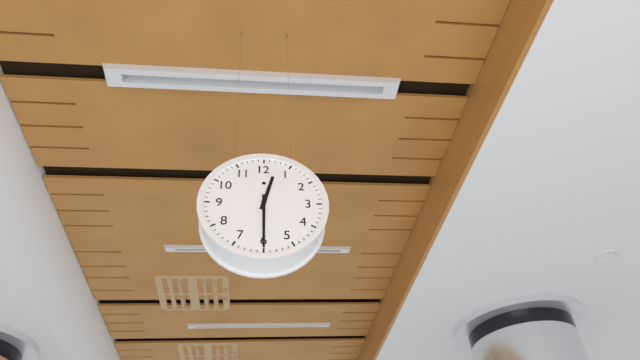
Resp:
**12:30**
